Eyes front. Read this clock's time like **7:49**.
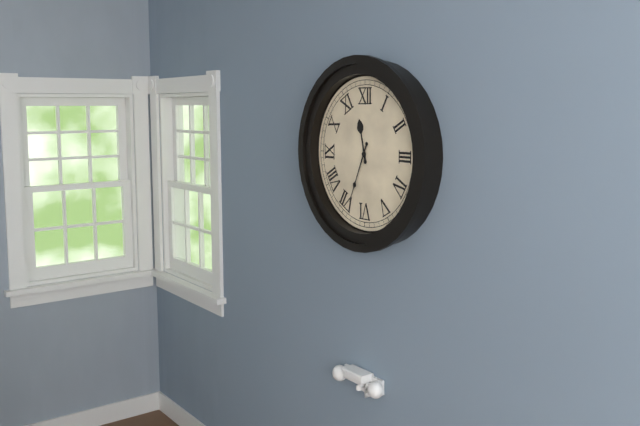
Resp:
**11:34**
